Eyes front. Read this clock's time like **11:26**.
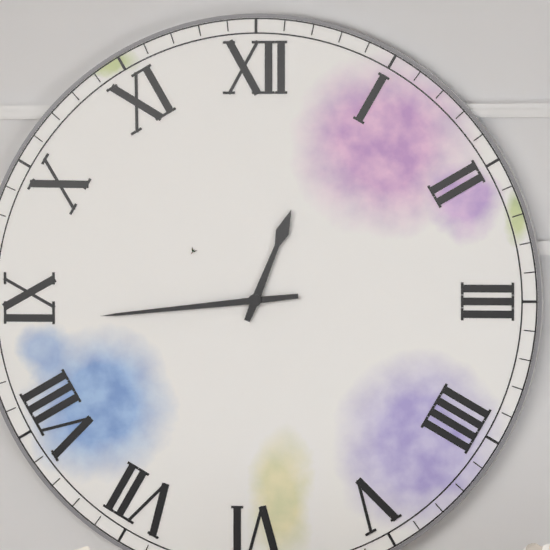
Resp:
**12:44**
